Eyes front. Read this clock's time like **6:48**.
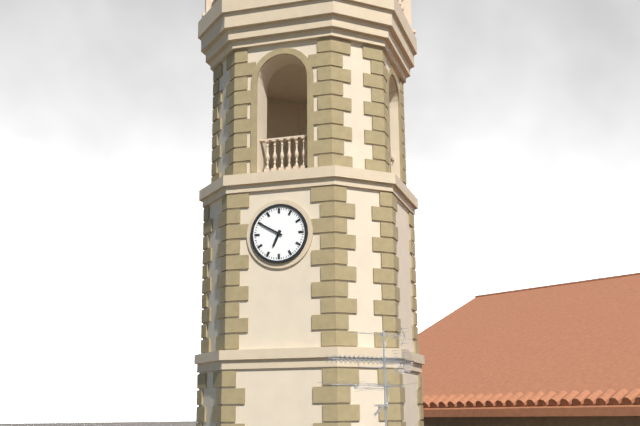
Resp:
**6:50**
